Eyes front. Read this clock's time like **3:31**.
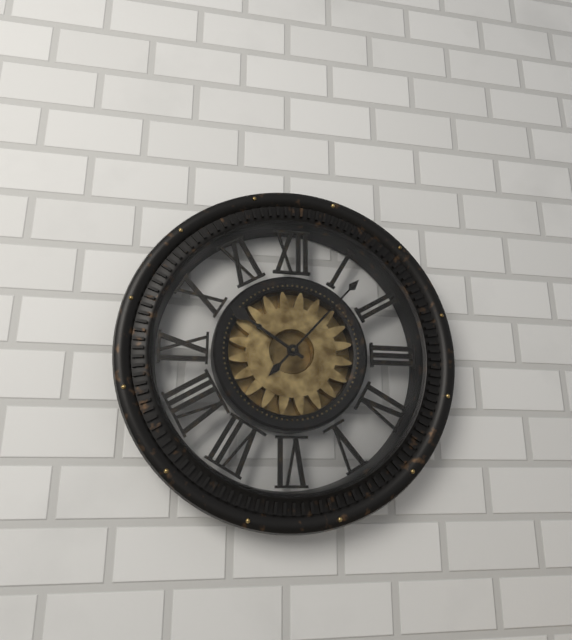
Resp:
**10:07**
